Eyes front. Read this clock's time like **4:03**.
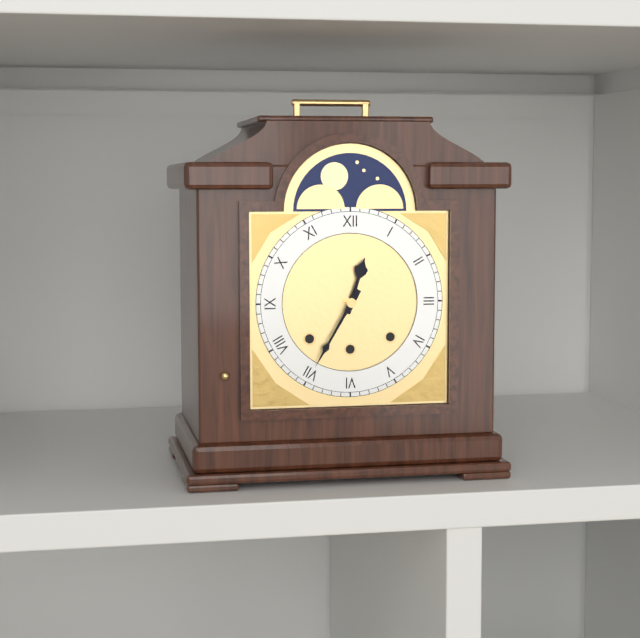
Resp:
**12:35**
